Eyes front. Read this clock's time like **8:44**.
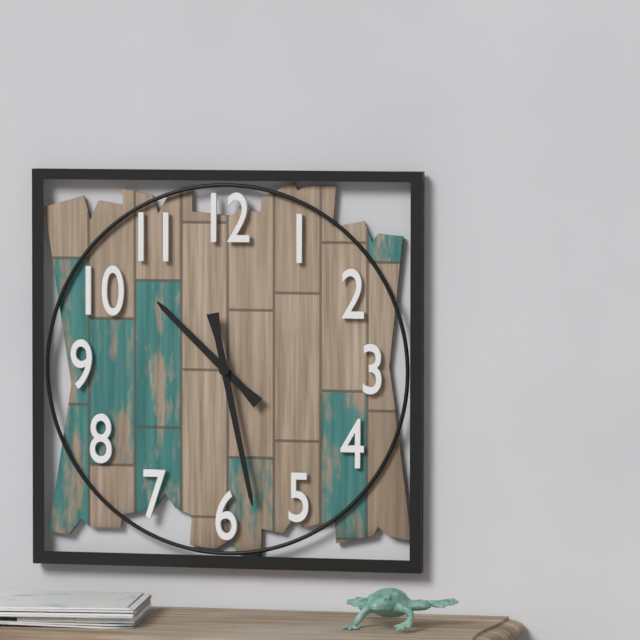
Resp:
**10:28**
